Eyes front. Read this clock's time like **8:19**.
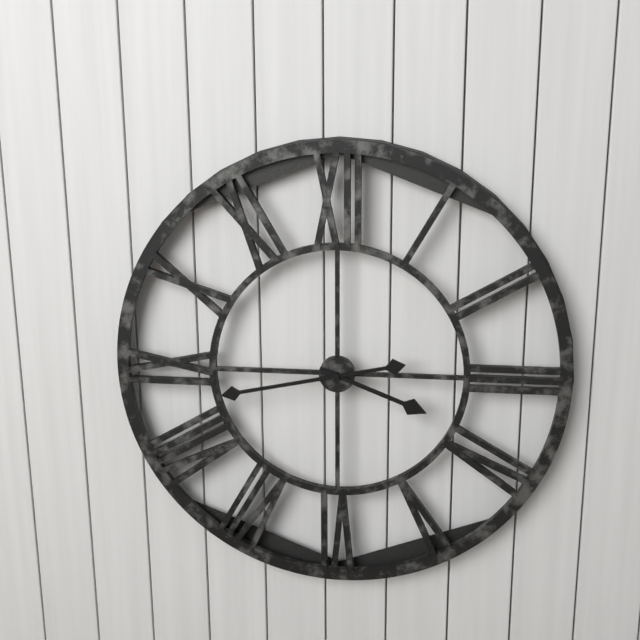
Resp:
**3:43**
